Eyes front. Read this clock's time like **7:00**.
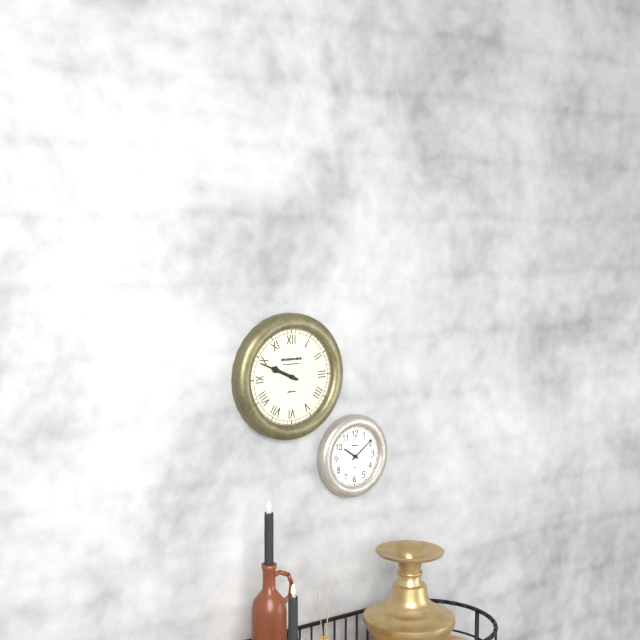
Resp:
**9:49**
